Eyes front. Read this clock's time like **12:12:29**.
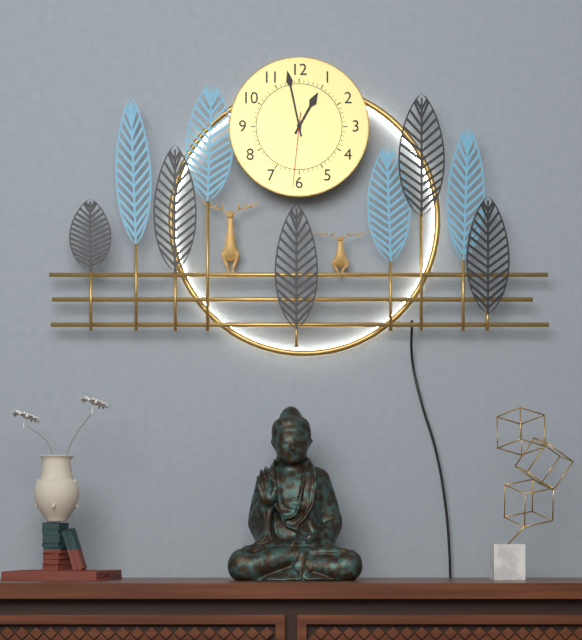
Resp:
**12:58:31**
